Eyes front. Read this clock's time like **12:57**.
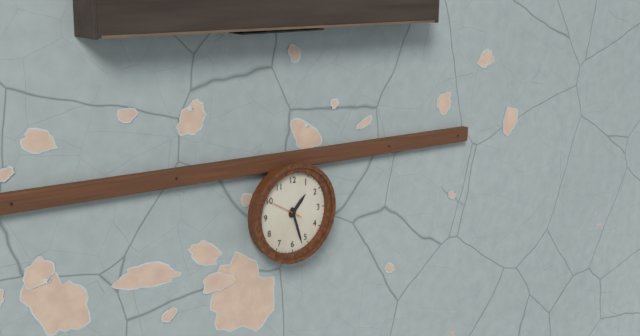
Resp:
**1:27**
